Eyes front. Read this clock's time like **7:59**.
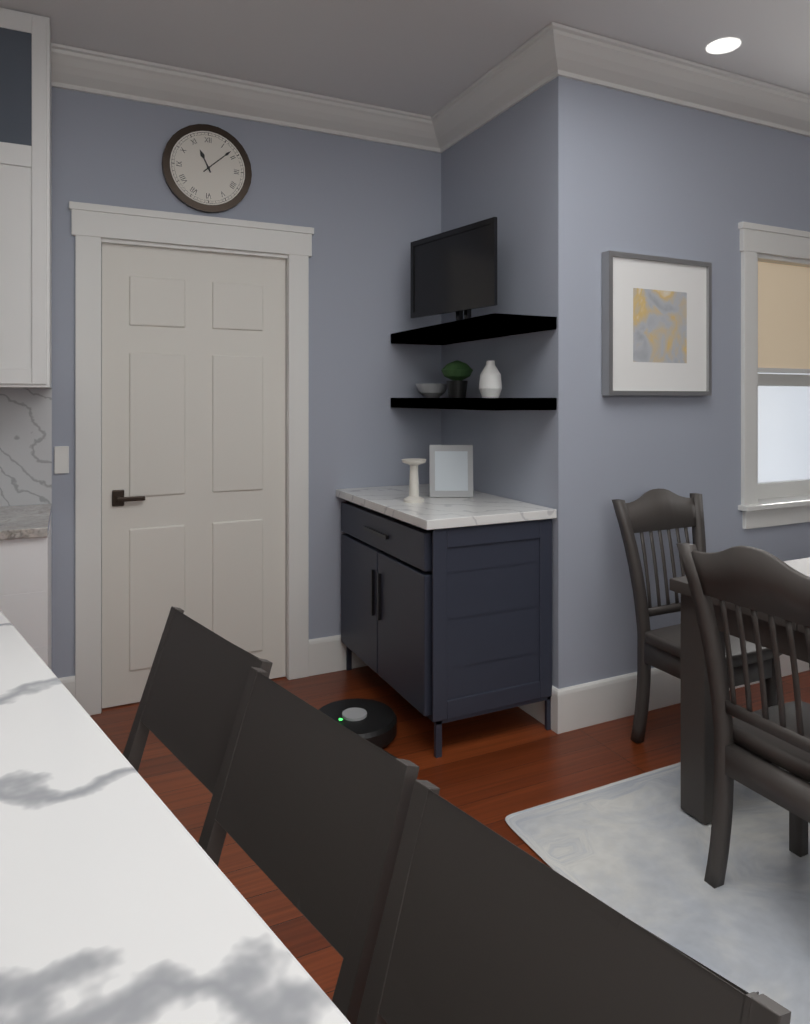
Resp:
**11:08**
